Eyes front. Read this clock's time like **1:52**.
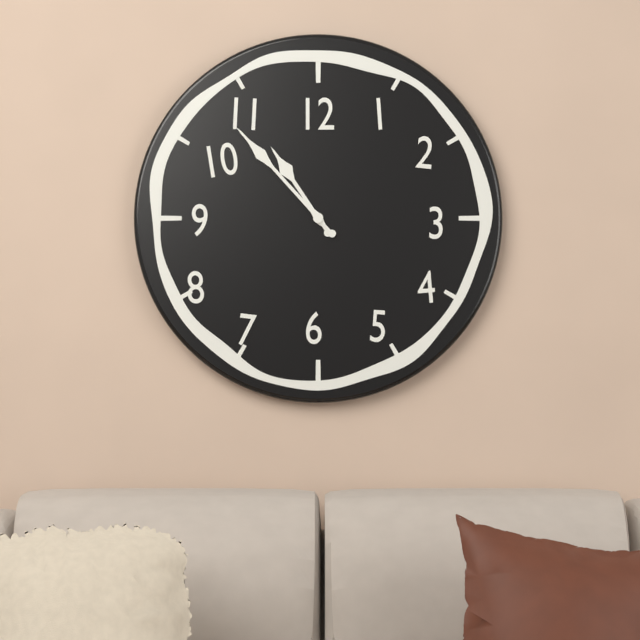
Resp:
**10:53**
